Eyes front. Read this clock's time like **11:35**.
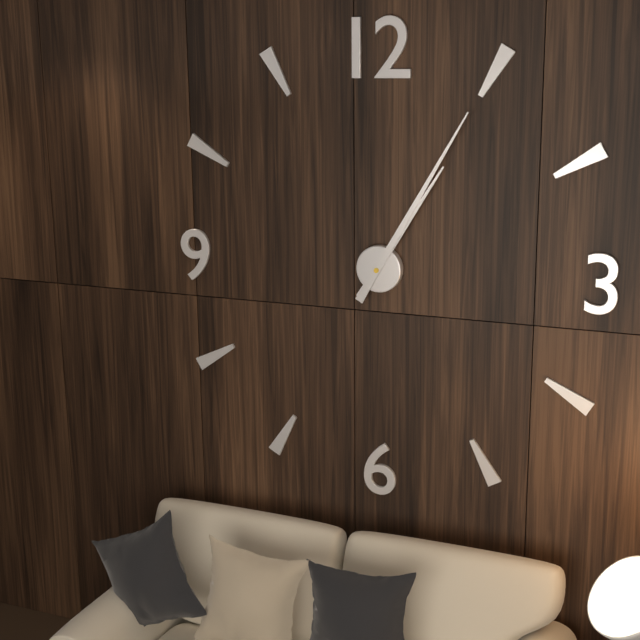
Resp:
**1:05**
